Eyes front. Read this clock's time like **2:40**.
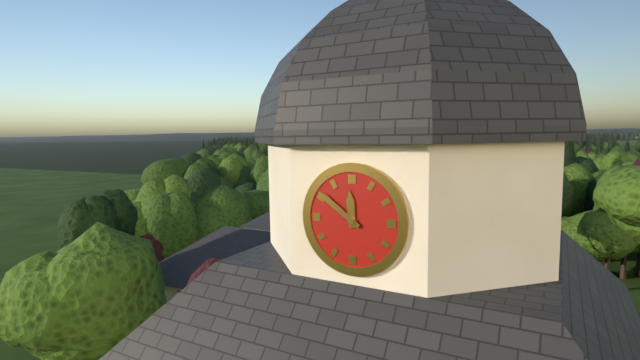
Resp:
**11:51**
